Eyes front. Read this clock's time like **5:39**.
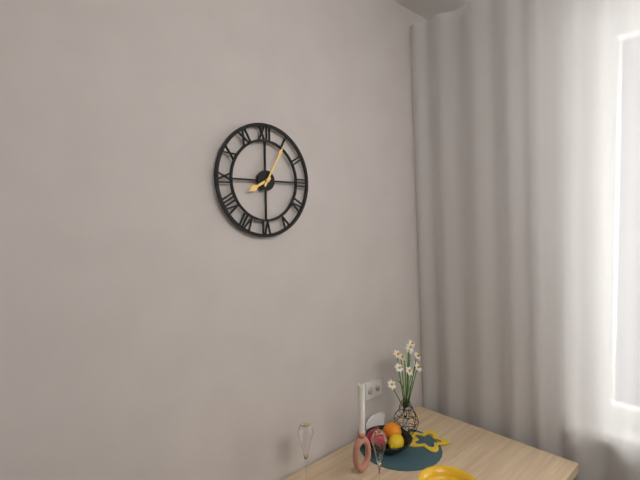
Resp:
**8:05**
